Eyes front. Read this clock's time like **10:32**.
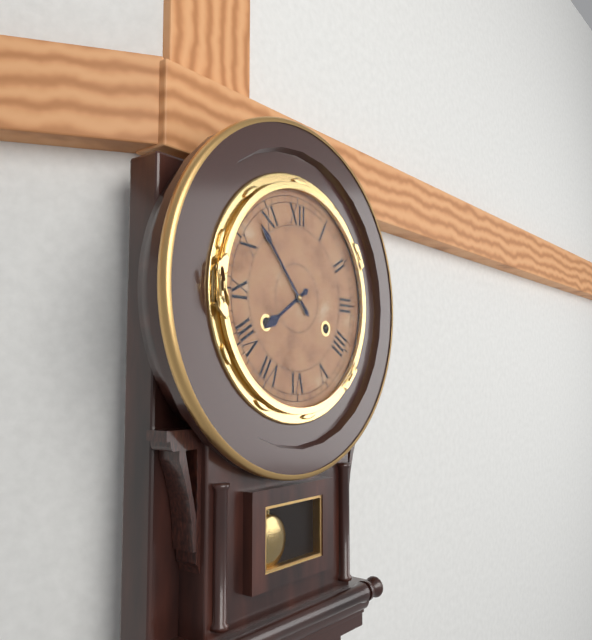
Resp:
**7:53**
